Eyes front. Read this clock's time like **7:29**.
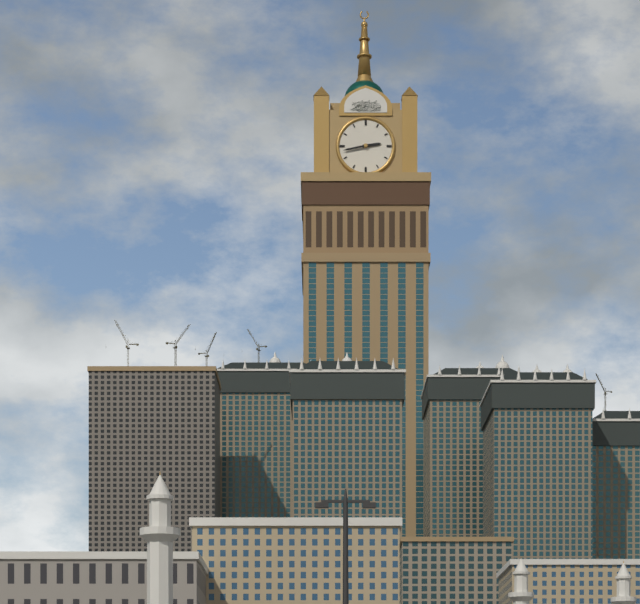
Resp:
**2:43**
